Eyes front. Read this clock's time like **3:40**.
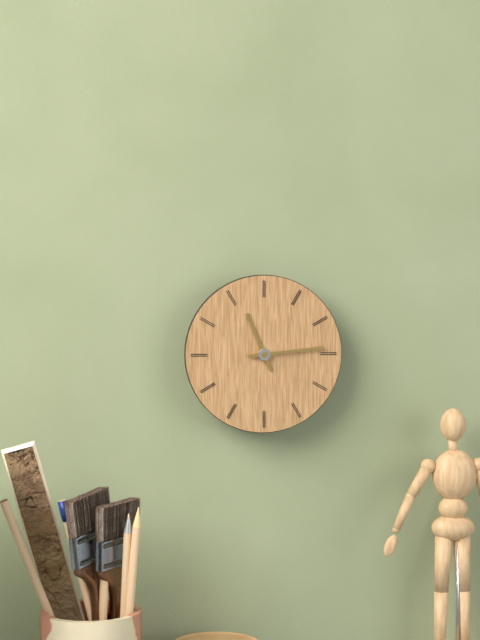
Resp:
**11:14**
